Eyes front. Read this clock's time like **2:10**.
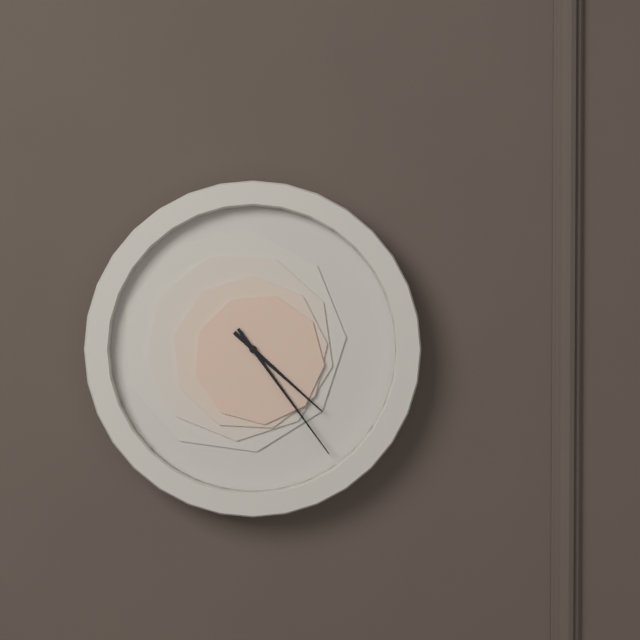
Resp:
**4:24**
